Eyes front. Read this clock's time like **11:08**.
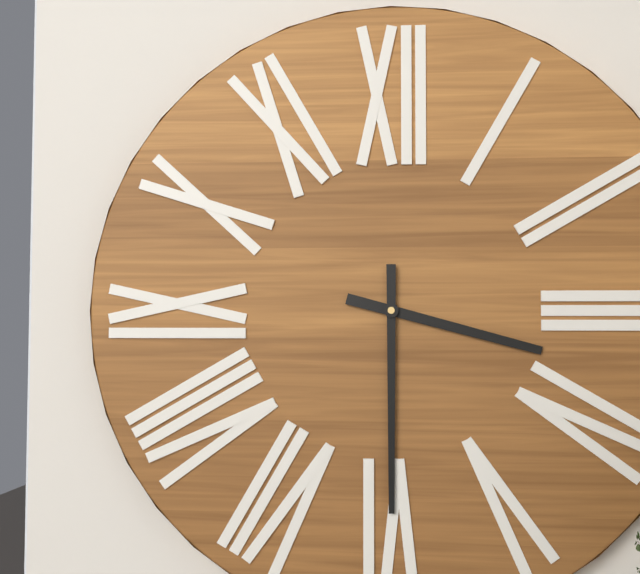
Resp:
**3:30**
